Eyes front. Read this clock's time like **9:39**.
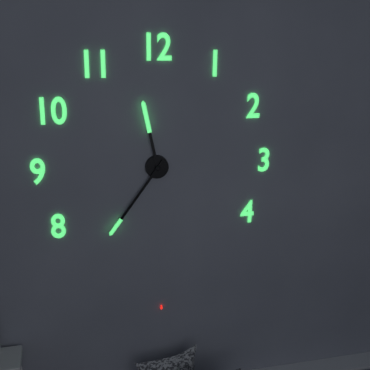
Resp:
**11:36**
